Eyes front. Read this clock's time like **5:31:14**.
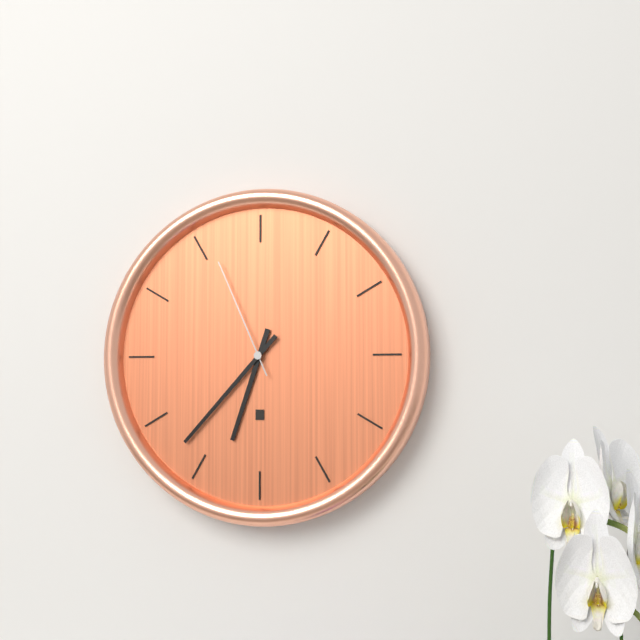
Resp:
**6:37:56**
